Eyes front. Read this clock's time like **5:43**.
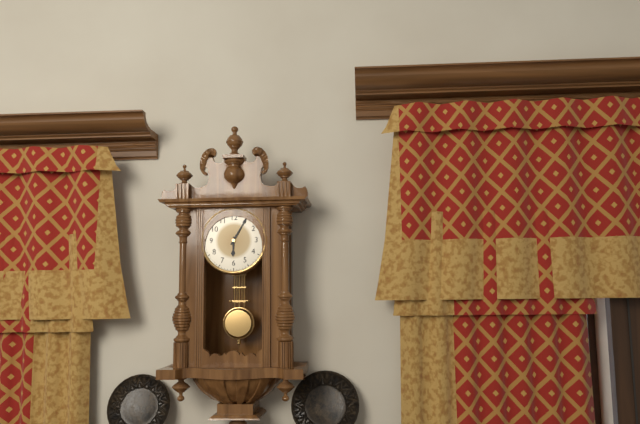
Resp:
**6:05**
